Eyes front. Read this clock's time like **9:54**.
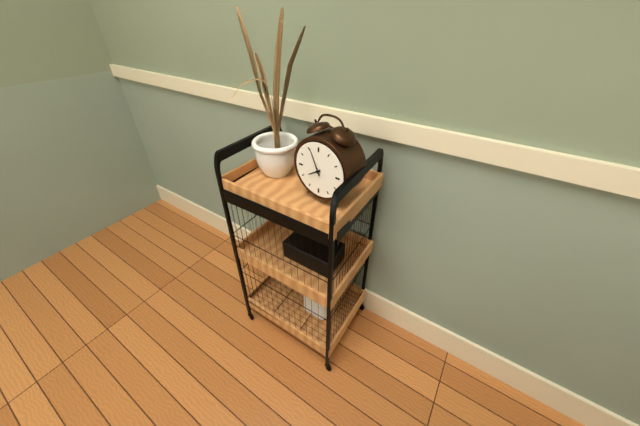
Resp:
**7:56**
